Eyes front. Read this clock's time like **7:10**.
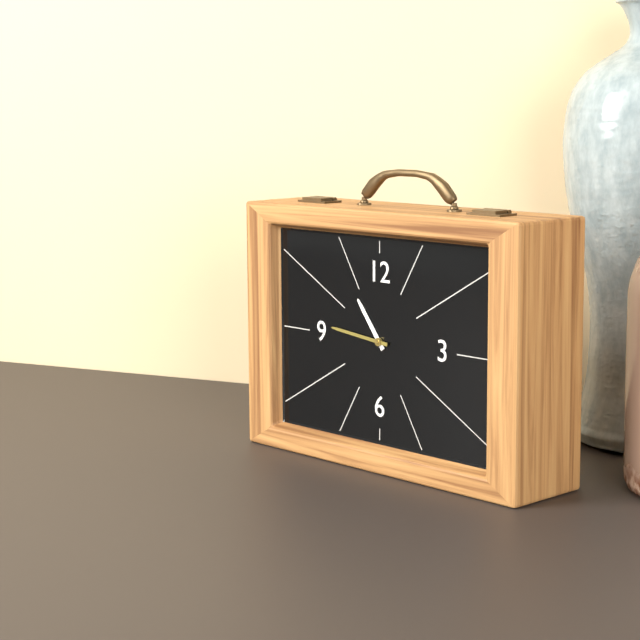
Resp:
**10:46**
